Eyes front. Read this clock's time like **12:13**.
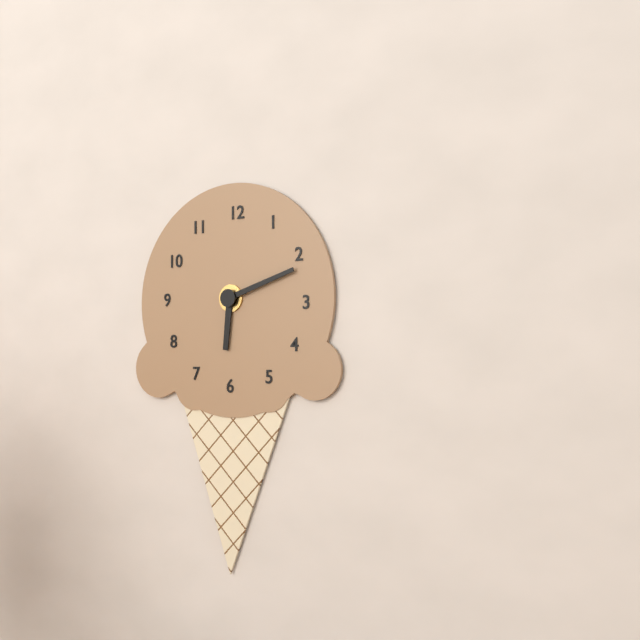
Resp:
**6:12**
